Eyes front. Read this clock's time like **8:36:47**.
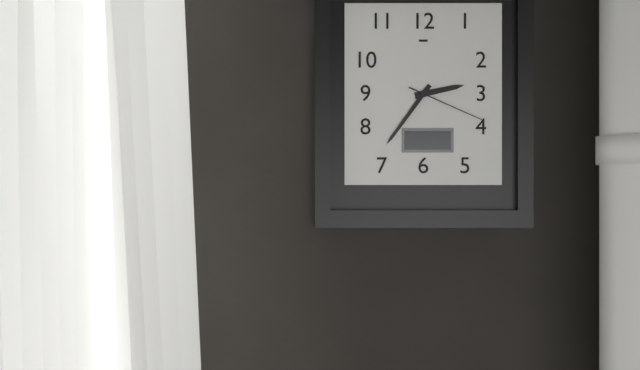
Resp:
**2:36:19**
